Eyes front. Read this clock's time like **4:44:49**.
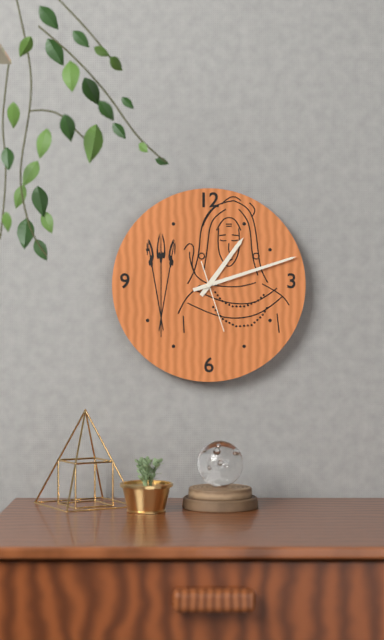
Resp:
**1:12:27**
